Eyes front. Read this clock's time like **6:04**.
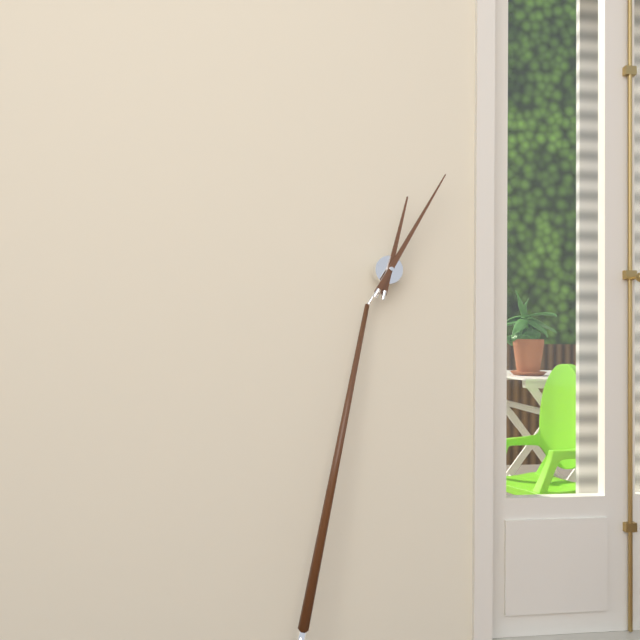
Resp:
**12:03**
